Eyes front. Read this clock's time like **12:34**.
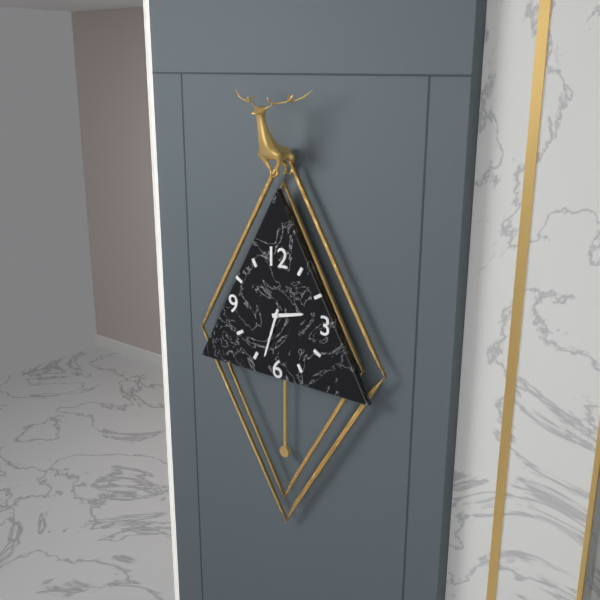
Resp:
**2:33**
